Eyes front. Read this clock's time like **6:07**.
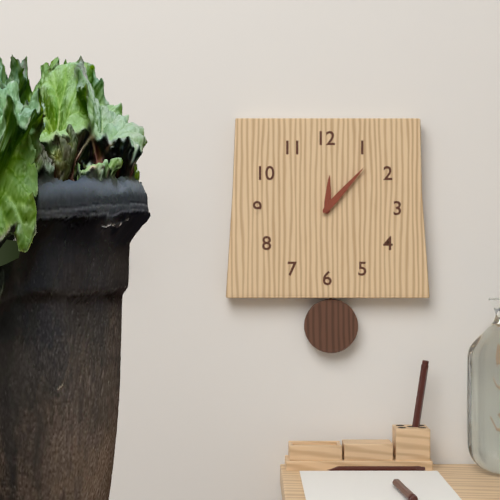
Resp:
**12:07**
